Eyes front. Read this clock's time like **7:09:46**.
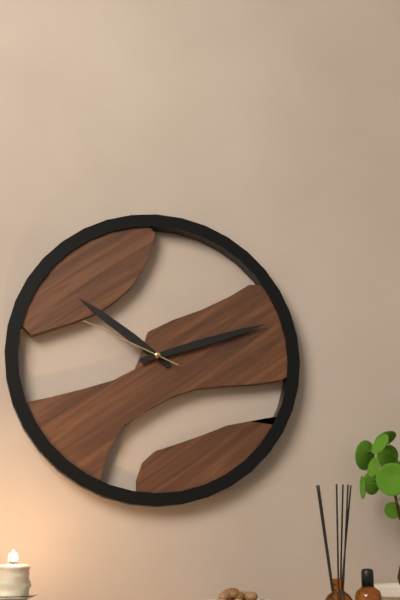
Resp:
**10:12:49**
